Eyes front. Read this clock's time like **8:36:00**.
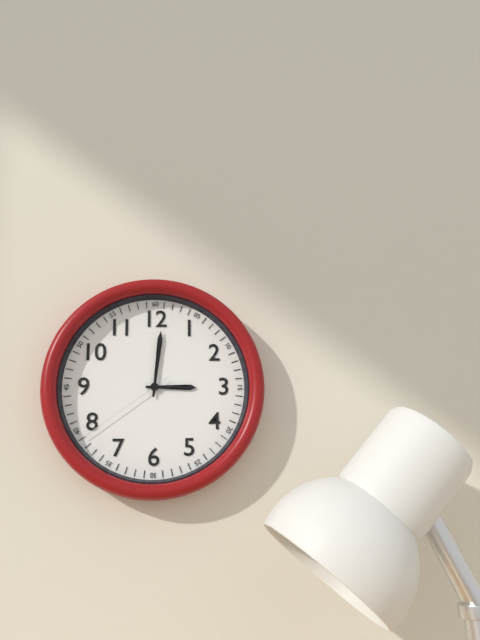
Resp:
**3:01:39**
